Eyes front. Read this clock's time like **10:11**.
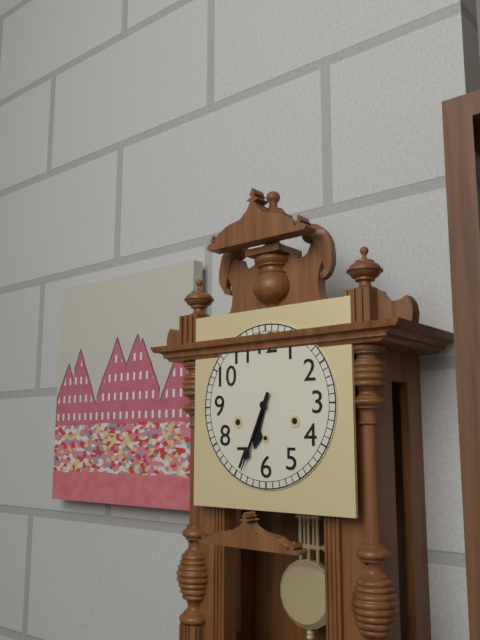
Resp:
**6:34**
